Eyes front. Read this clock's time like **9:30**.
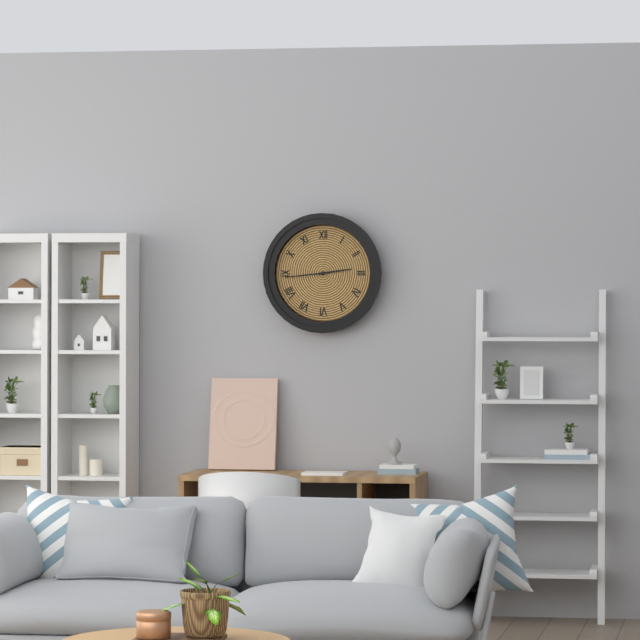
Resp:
**2:44**
